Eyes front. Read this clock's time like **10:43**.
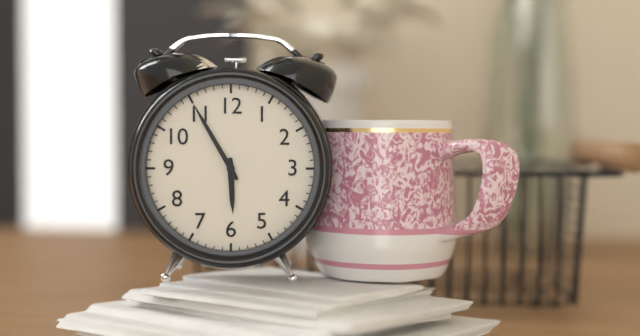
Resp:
**5:55**
